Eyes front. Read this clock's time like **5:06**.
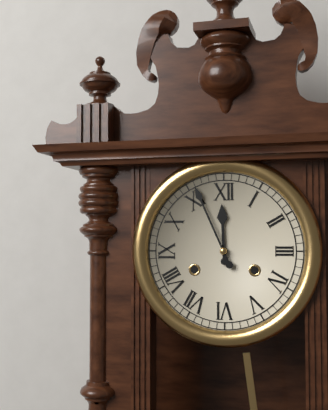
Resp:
**11:56**
